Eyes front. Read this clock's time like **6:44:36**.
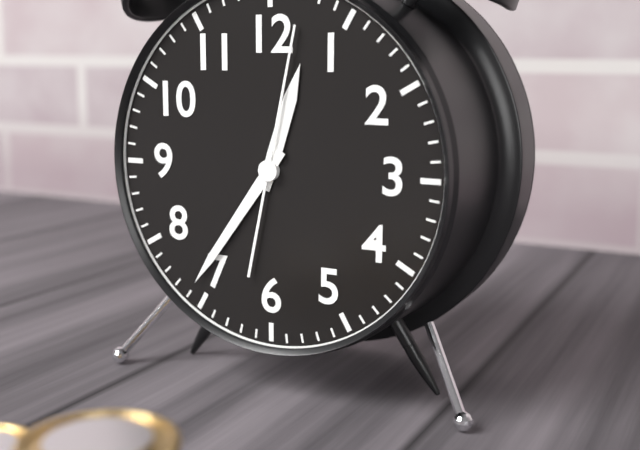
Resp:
**12:36:02**
